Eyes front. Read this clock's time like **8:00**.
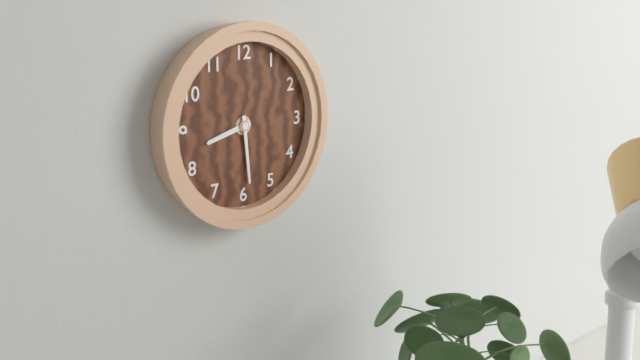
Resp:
**8:29**
